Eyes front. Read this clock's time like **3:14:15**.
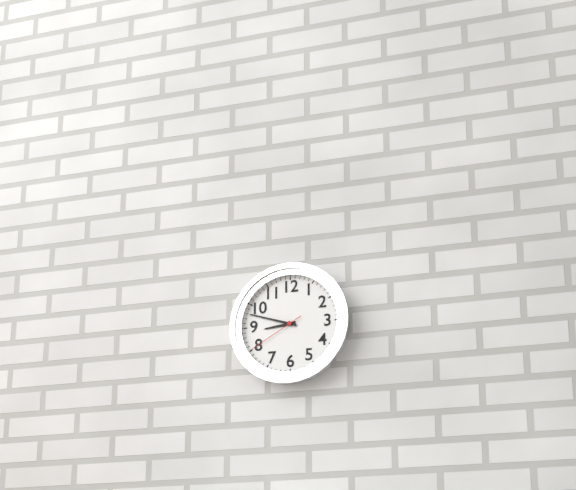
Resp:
**8:48:40**
